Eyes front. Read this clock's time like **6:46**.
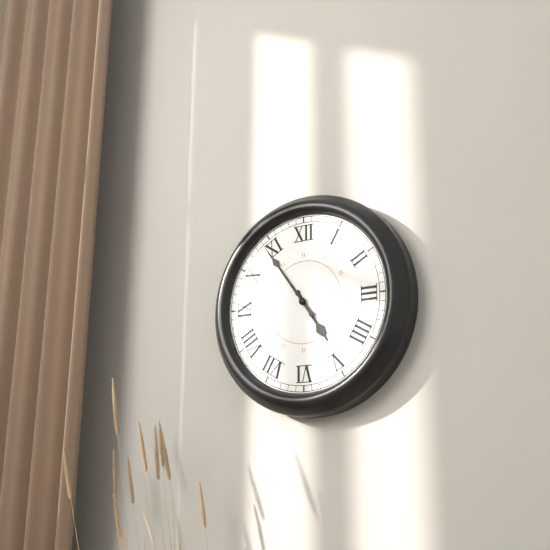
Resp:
**4:54**
